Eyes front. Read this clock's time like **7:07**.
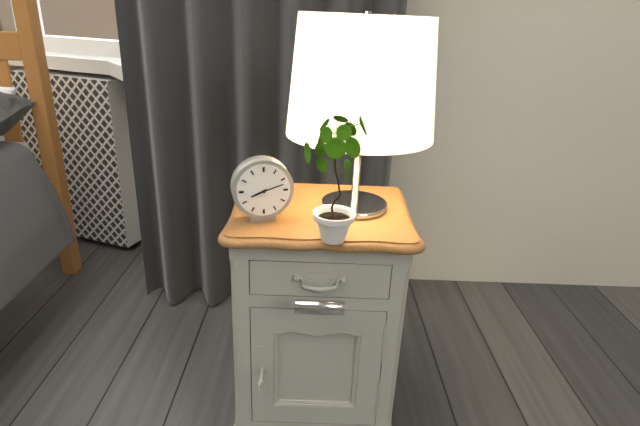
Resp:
**8:12**
